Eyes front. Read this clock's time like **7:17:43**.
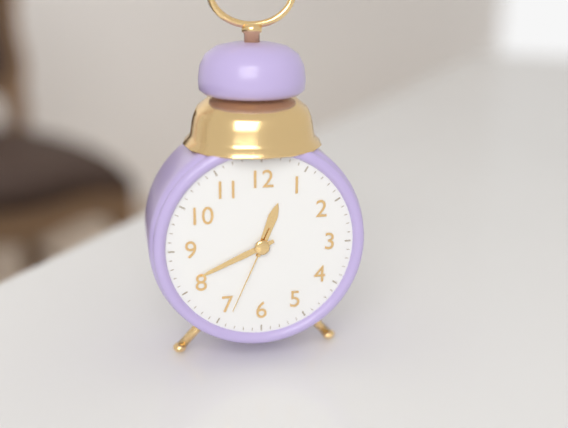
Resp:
**12:41:34**
